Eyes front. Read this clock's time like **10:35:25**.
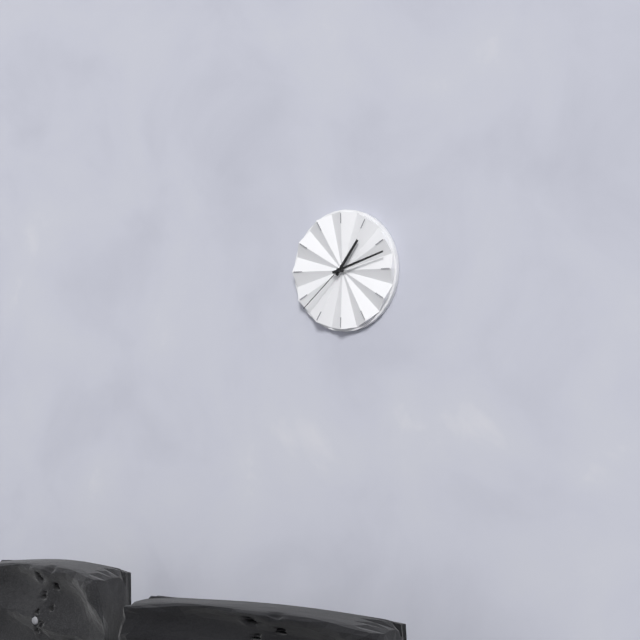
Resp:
**1:12:38**
